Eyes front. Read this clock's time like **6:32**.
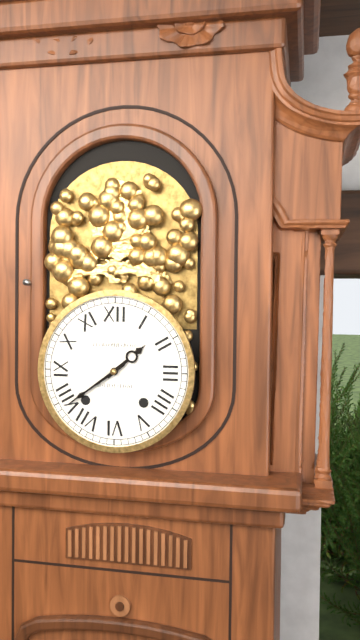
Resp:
**1:39**
